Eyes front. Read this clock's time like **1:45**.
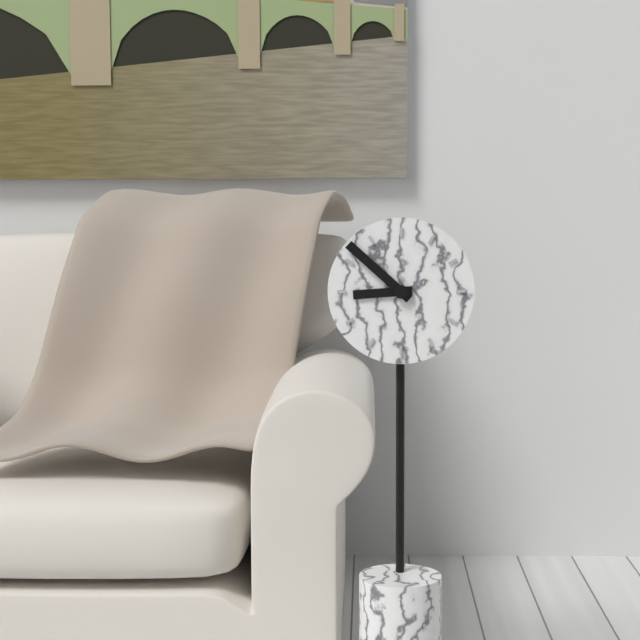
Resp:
**8:52**
